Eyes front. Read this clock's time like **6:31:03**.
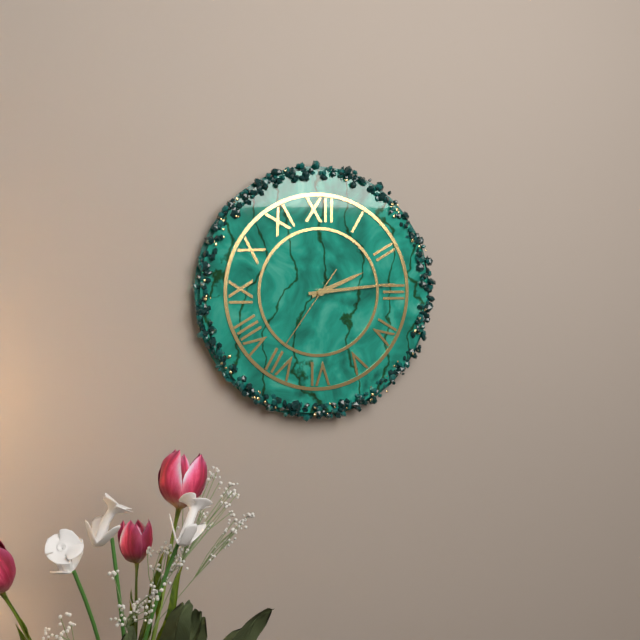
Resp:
**2:14:36**
